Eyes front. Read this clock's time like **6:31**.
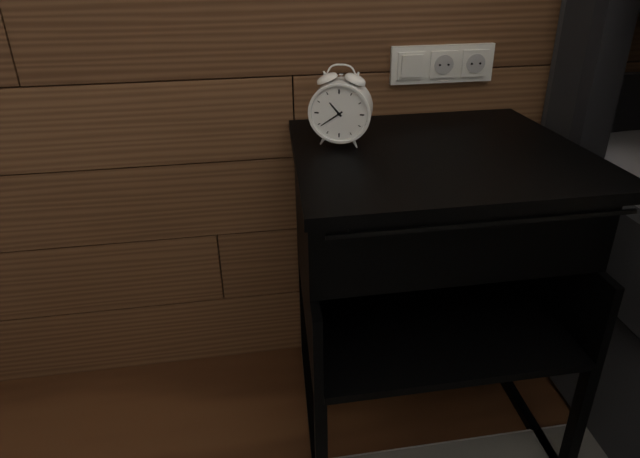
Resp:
**10:39**
